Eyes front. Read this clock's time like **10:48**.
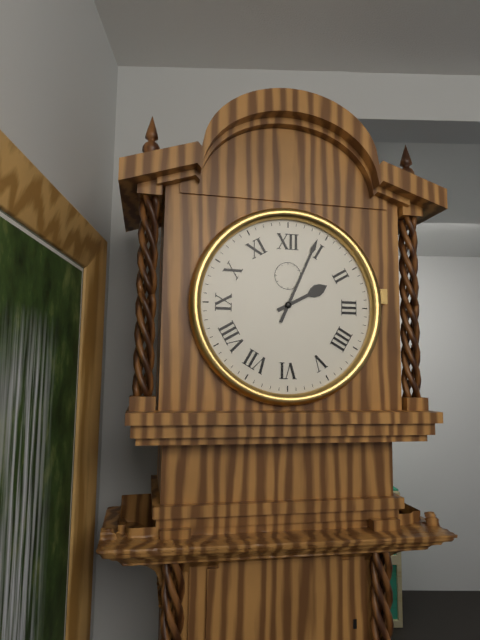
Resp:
**2:04**
